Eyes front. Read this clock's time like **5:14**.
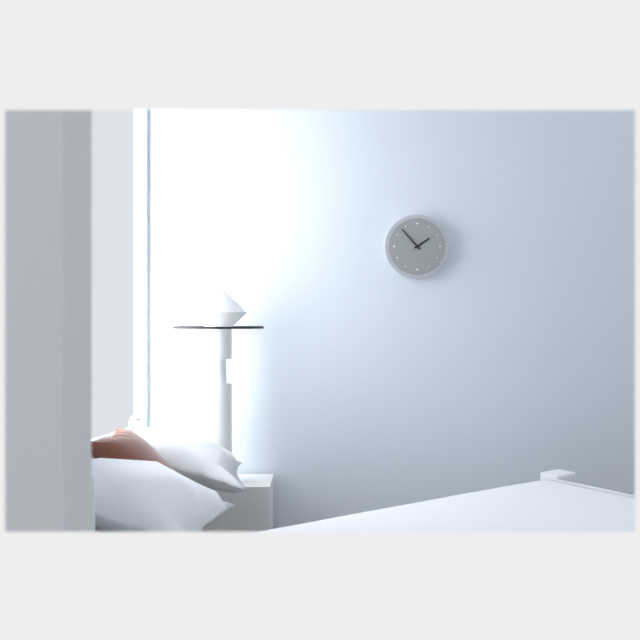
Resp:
**1:53**
